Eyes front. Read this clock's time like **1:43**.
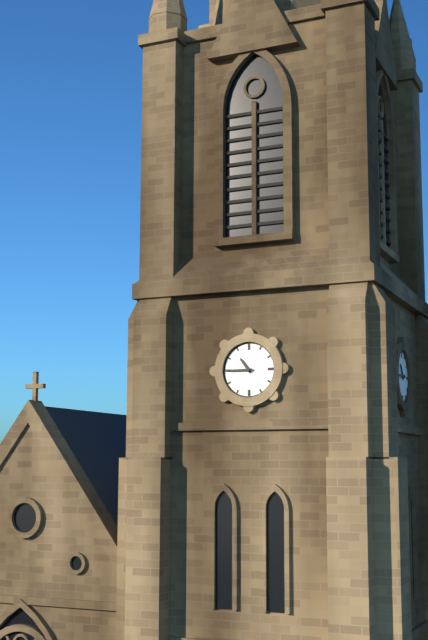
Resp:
**10:45**
